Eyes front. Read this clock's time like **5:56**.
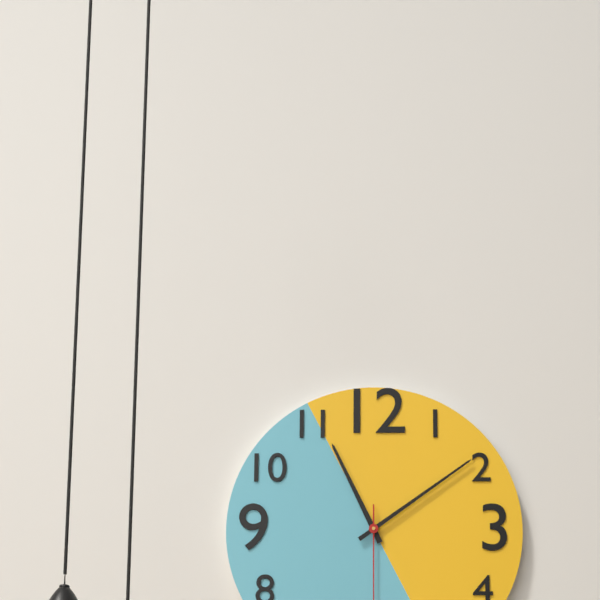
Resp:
**11:09**
